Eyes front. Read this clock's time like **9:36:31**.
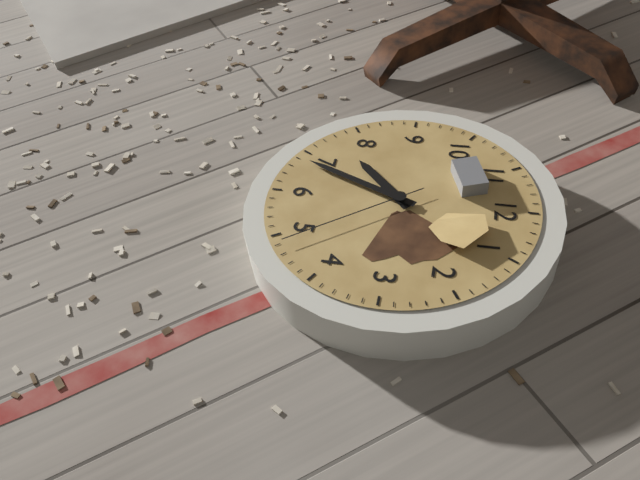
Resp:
**7:34:24**
